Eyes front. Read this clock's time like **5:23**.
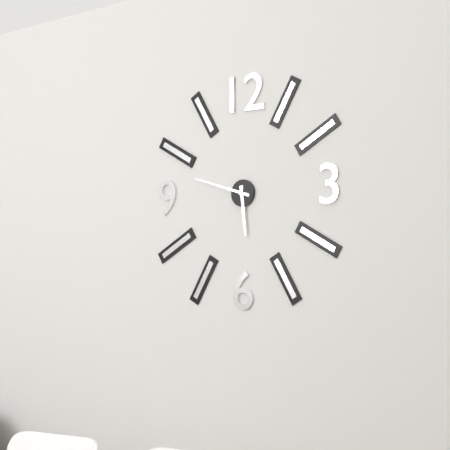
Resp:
**5:48**
